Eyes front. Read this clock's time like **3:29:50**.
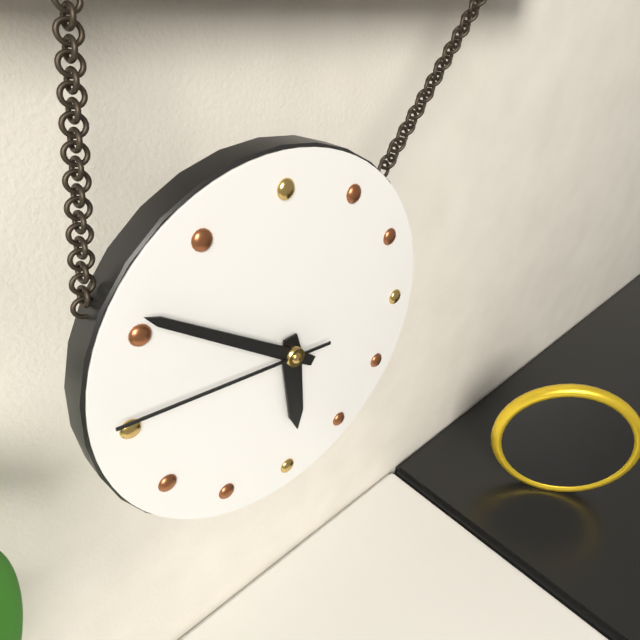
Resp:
**5:51:46**
